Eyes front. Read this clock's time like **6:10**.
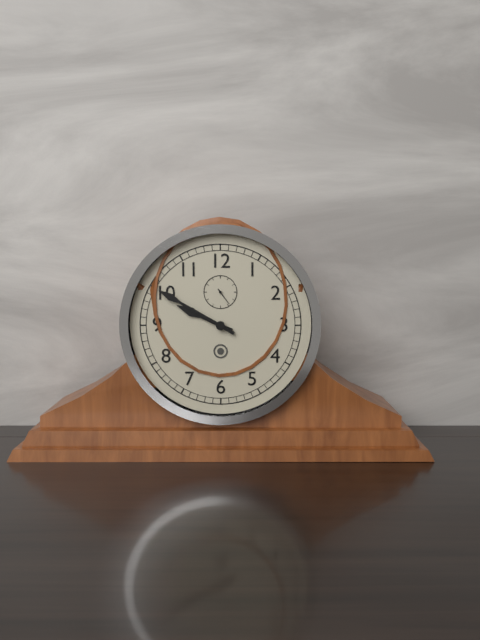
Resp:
**9:50**
